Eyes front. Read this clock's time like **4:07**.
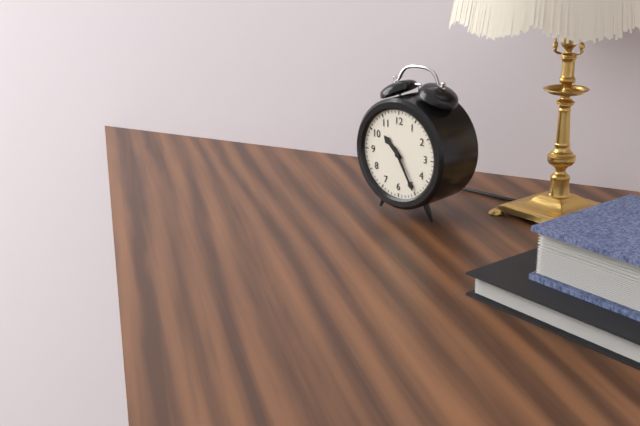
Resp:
**10:25**
